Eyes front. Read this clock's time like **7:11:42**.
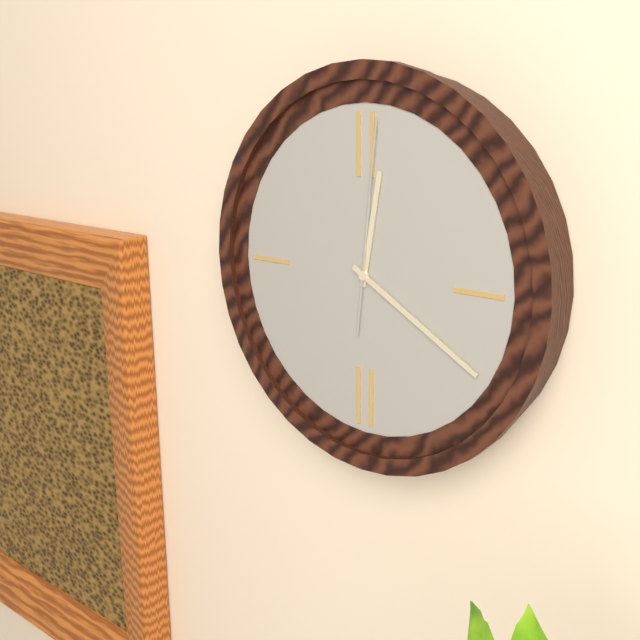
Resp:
**12:20:01**
